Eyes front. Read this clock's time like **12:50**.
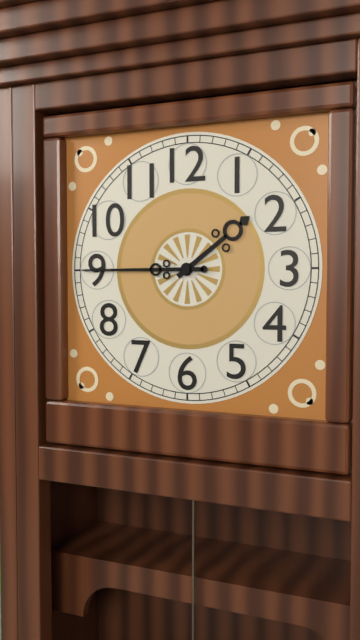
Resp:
**1:45**
